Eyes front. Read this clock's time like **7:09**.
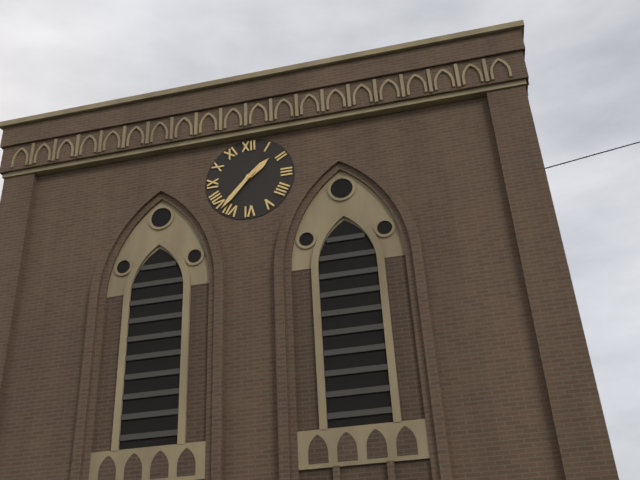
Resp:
**1:37**
